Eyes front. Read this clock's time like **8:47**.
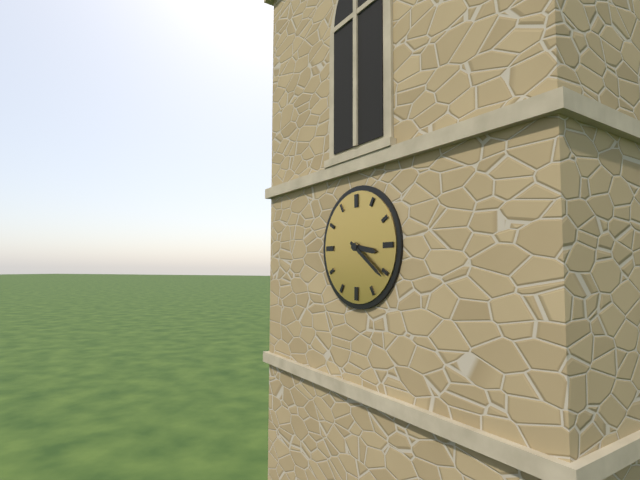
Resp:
**3:21**
